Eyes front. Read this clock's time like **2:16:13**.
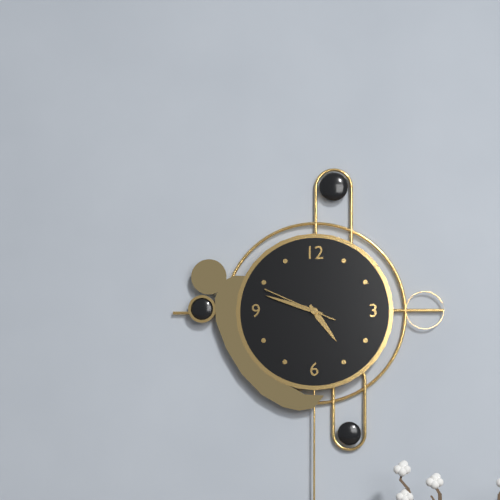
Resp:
**4:48:49**
